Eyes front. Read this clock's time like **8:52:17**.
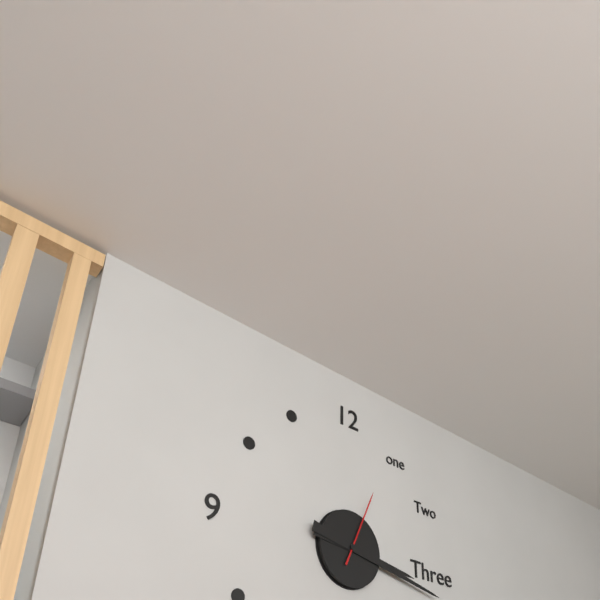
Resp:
**3:17:04**
